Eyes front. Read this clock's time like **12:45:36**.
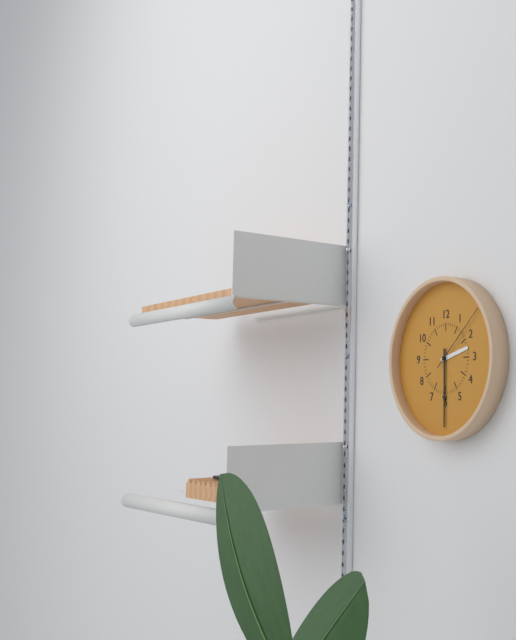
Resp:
**2:30:08**
